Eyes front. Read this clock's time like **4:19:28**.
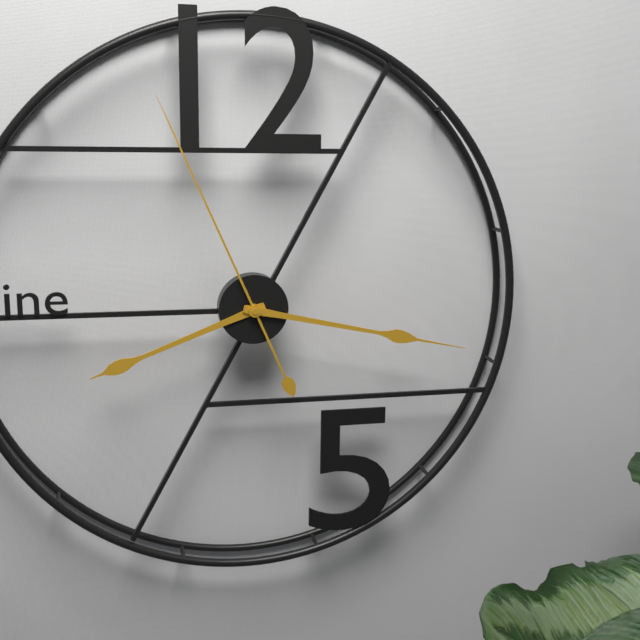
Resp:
**8:17:56**
